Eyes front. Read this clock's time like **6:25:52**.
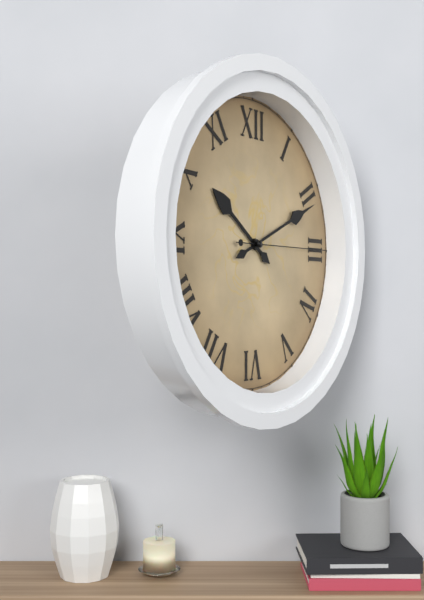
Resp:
**10:11:15**
